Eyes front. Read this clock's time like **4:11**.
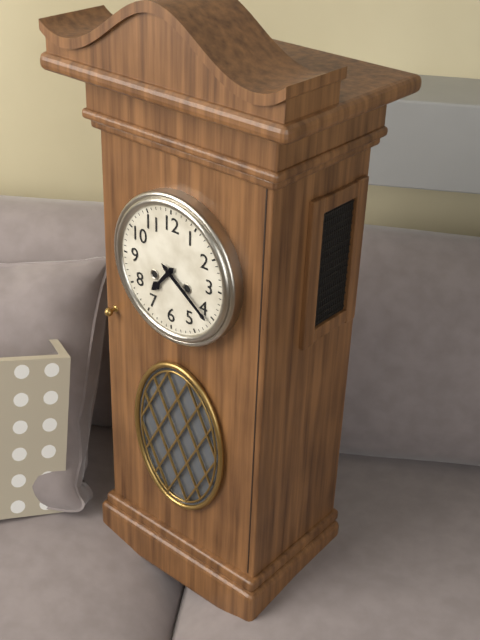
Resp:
**7:21**
